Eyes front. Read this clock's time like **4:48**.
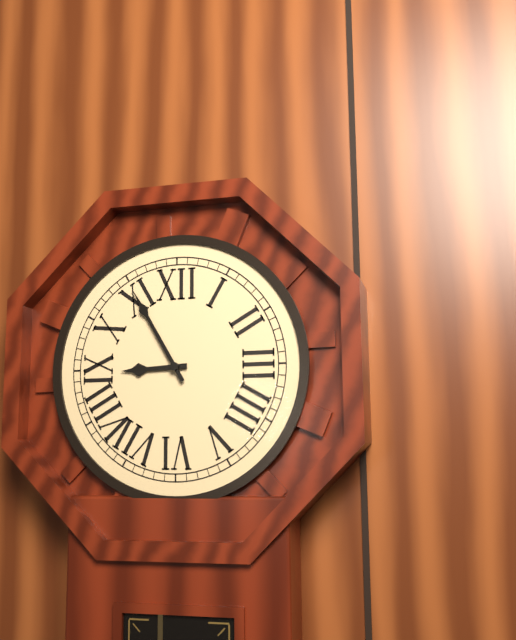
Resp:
**8:55**
